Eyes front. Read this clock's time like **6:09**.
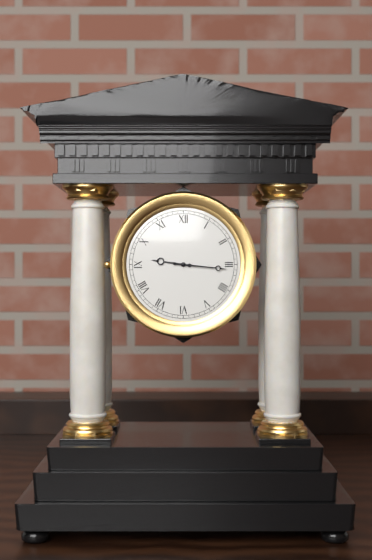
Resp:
**9:16**
